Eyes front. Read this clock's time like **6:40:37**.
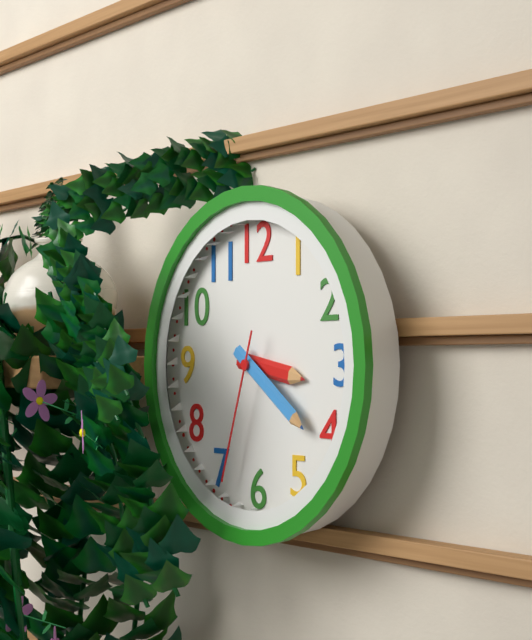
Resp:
**3:21:33**
